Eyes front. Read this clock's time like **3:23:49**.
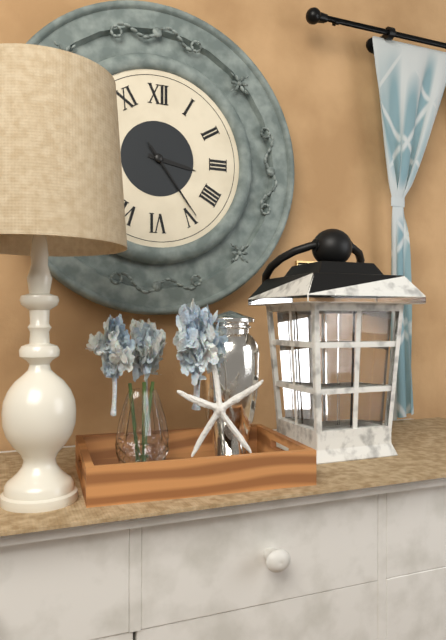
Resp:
**3:24:24**
